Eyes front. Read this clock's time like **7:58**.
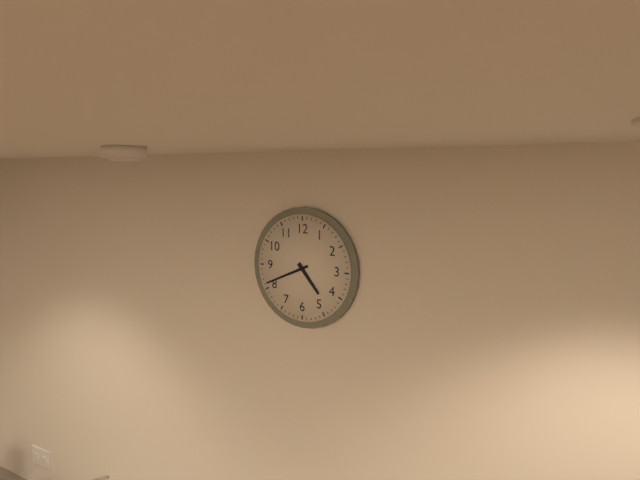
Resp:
**4:41**
